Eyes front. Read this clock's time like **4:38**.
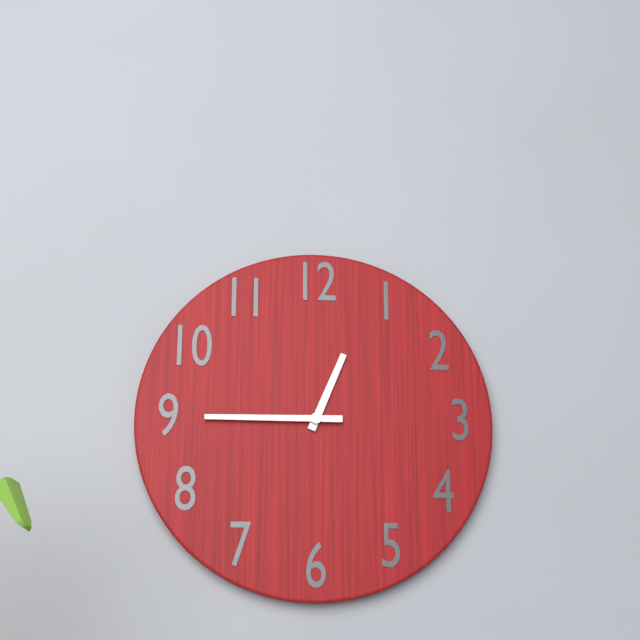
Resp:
**12:45**
